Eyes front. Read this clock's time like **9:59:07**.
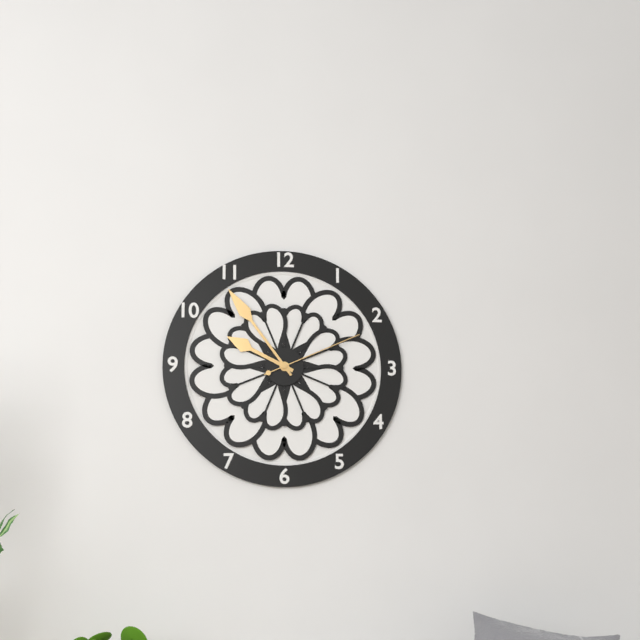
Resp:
**9:54:11**
